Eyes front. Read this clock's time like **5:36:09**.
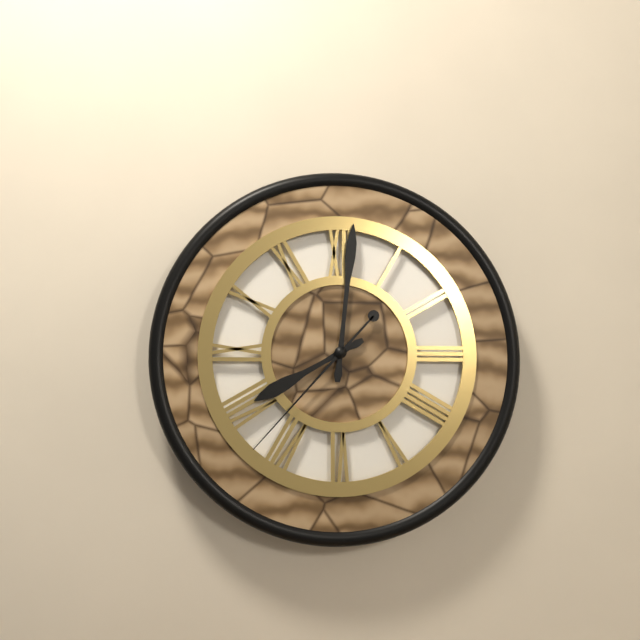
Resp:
**8:01:37**
